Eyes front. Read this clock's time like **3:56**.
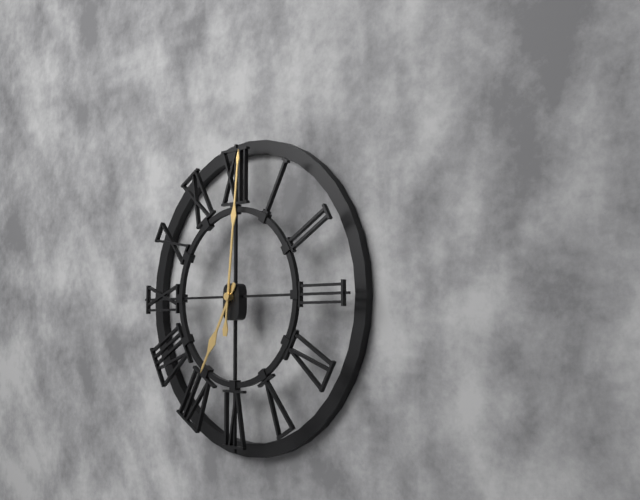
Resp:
**7:01**
